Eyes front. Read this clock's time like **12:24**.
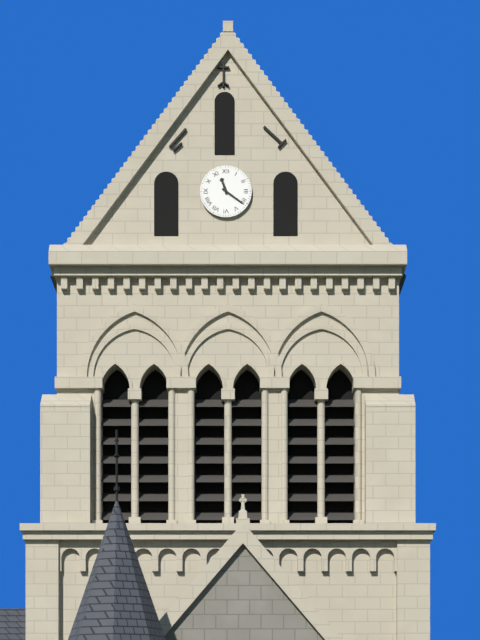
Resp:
**11:21**
